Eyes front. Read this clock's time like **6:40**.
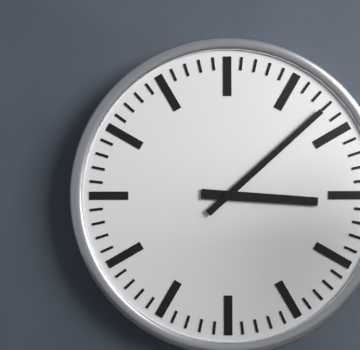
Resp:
**3:08**
